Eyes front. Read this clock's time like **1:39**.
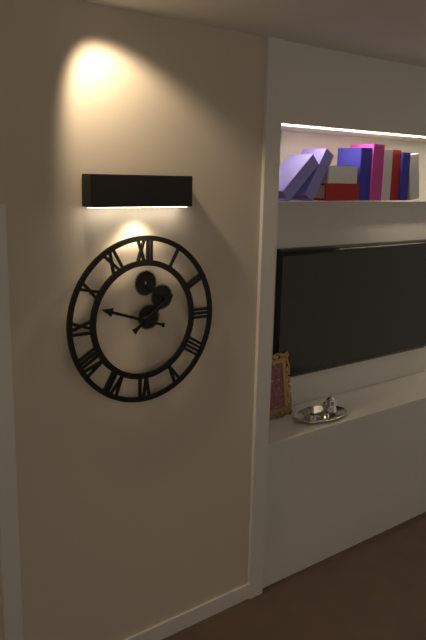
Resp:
**1:48**
